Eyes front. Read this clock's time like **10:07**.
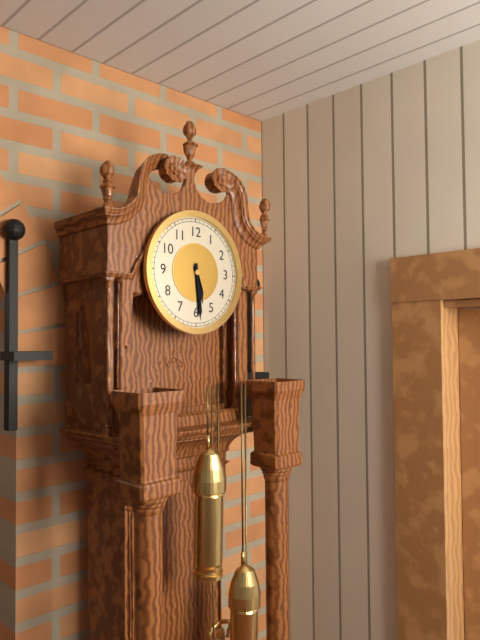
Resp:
**5:29**
